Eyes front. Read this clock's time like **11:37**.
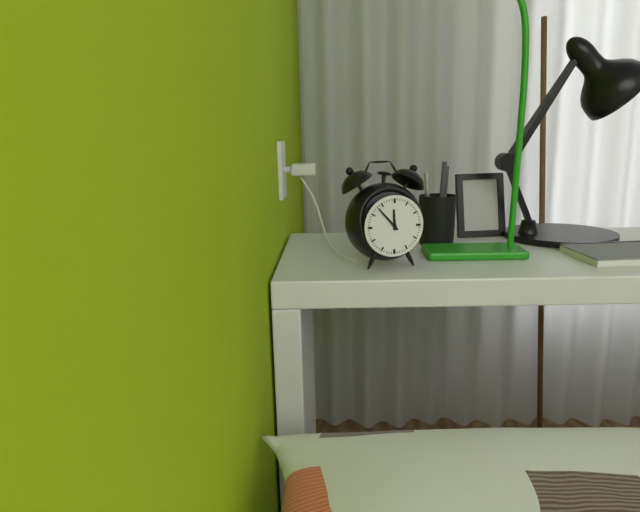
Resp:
**11:53**
